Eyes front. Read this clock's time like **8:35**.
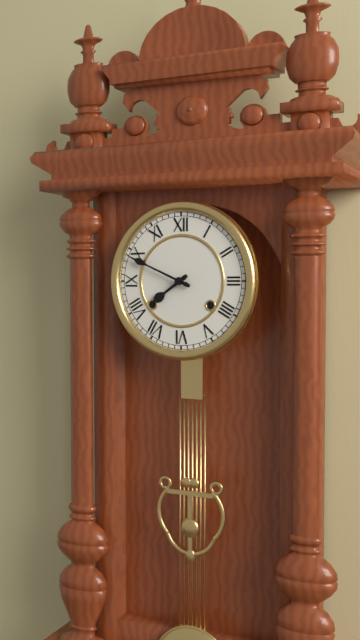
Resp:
**7:49**
